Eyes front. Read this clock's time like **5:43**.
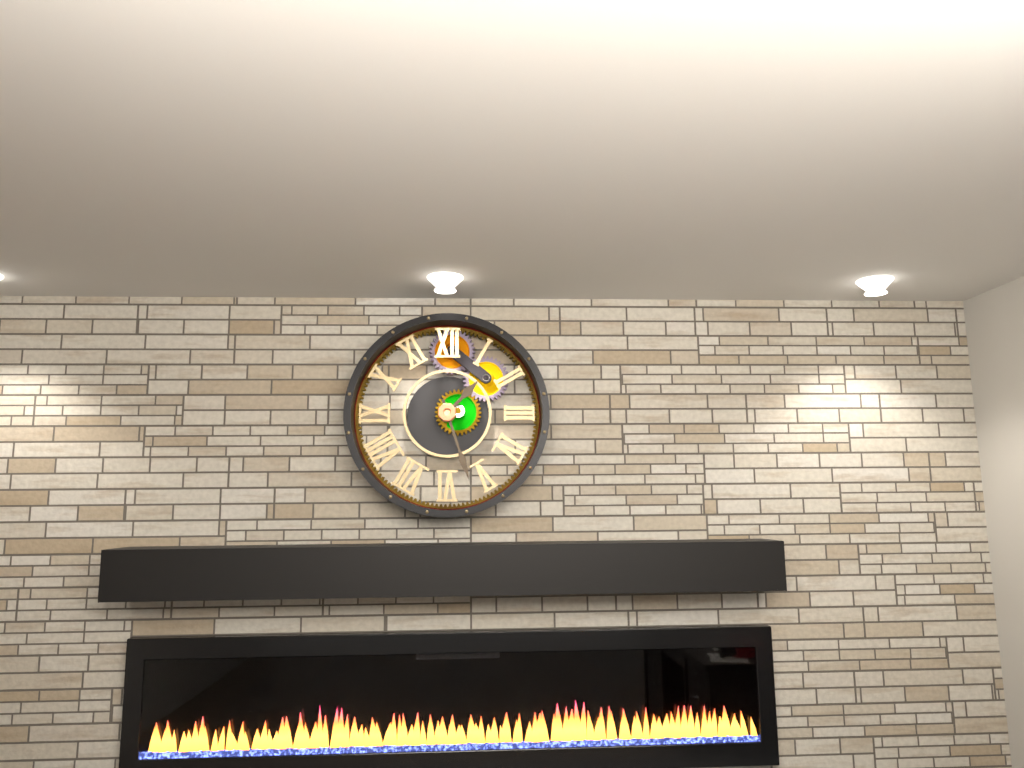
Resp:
**1:27**
